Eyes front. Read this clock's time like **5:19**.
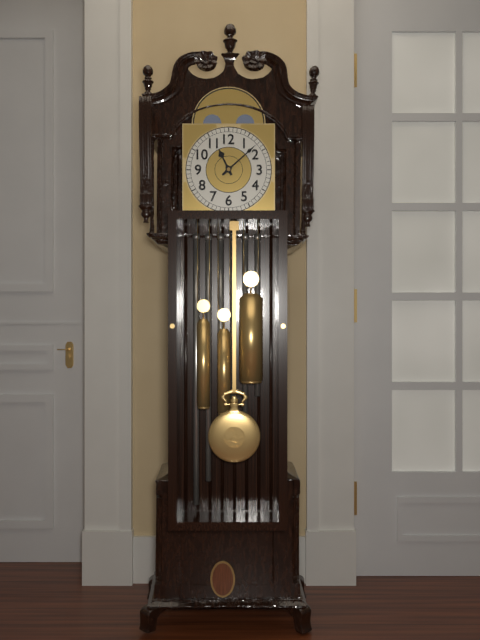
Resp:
**11:08**
